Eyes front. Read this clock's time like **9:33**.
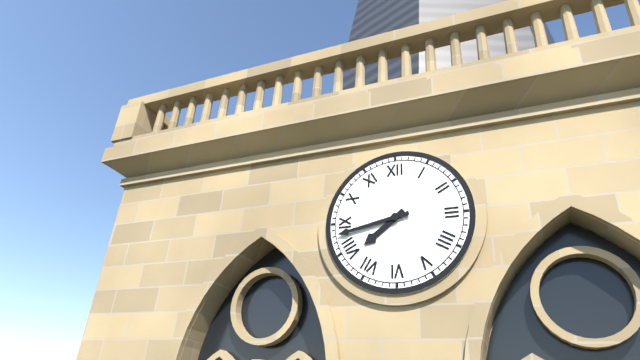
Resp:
**7:43**
